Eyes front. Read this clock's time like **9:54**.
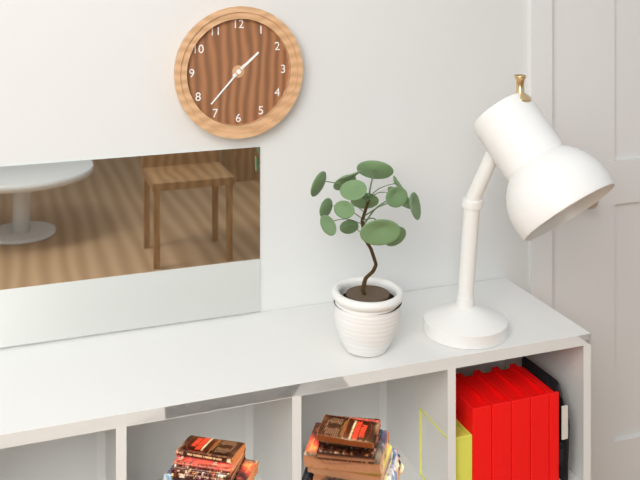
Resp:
**1:37**
